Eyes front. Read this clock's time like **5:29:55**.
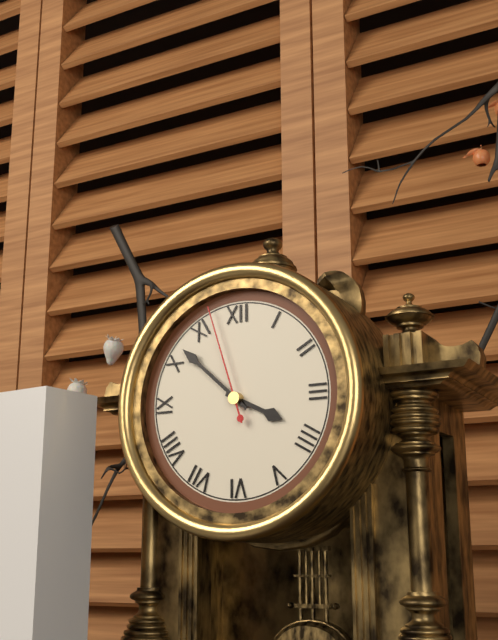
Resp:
**3:52:57**
